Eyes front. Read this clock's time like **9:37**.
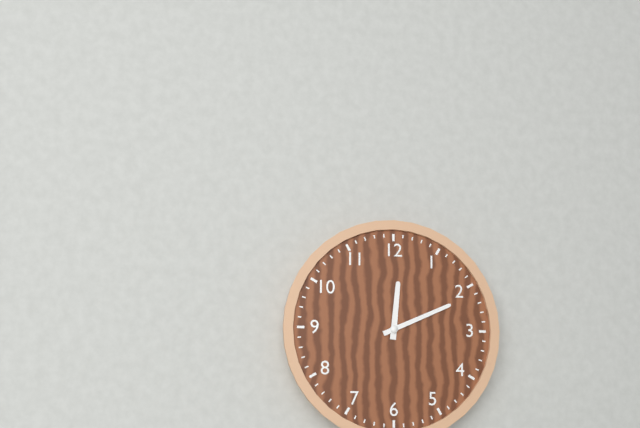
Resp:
**12:11**
